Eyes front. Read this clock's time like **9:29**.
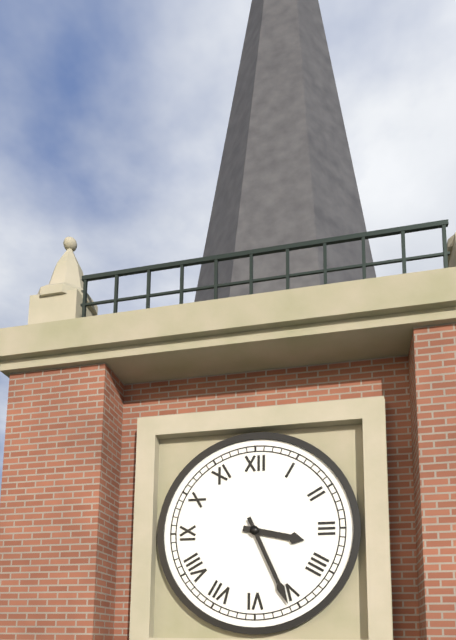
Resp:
**3:26**
